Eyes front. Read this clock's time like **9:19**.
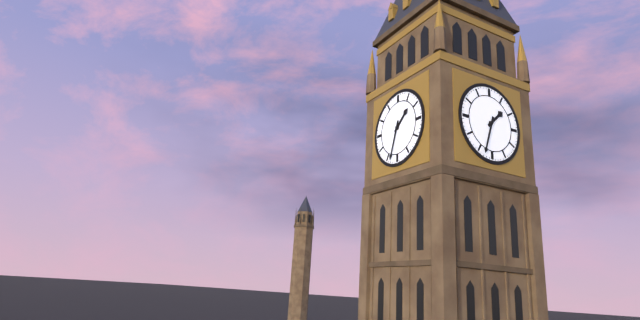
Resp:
**1:33**
